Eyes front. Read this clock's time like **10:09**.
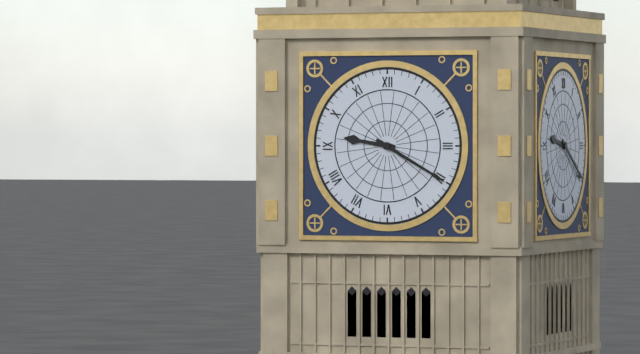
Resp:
**9:20**
